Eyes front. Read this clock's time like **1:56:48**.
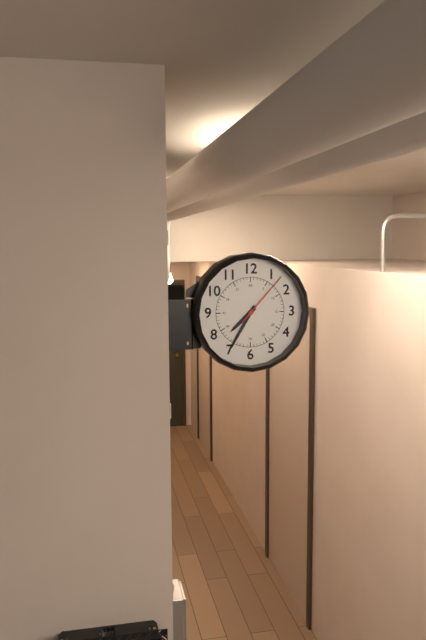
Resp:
**7:35:07**
